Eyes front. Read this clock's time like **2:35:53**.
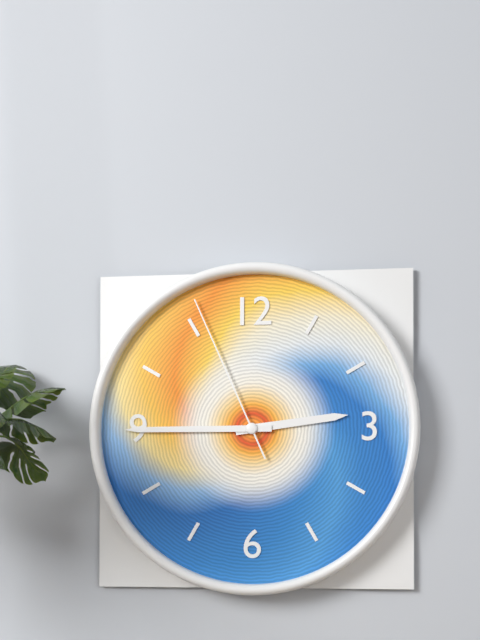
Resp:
**2:45:56**
